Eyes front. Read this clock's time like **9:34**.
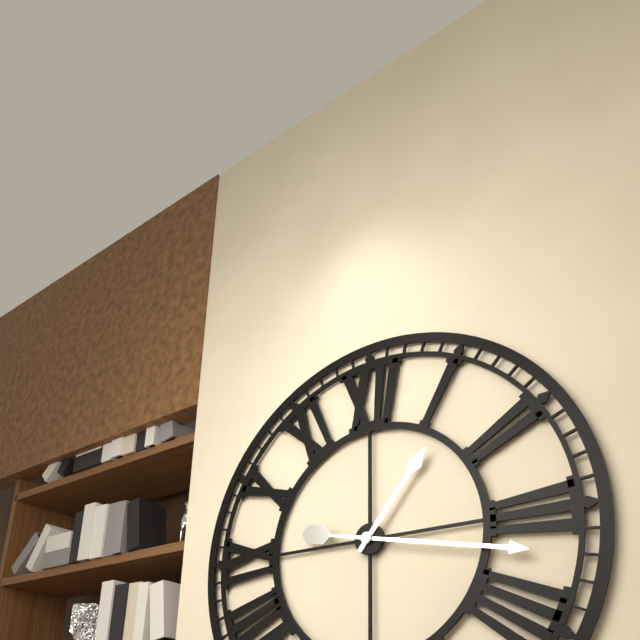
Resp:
**1:17**
